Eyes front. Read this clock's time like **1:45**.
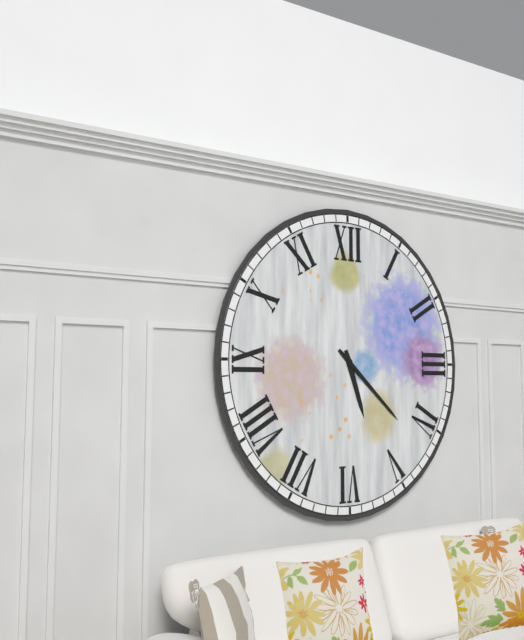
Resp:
**5:22**
